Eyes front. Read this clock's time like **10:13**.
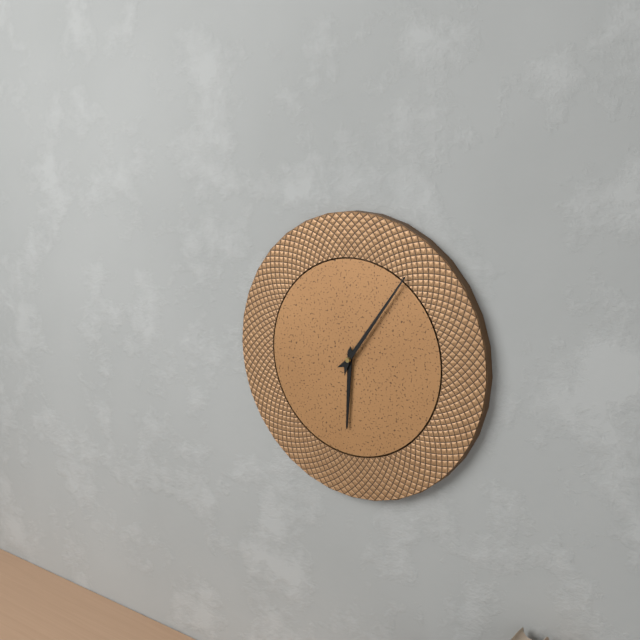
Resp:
**6:06**
